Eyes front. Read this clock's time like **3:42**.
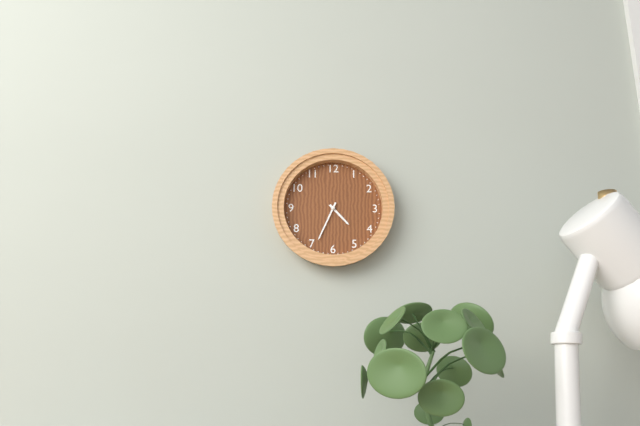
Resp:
**4:34**
